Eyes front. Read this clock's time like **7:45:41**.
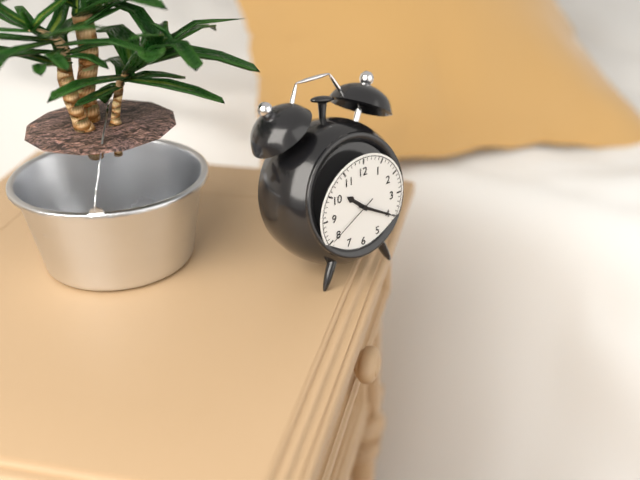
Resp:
**10:20:40**
